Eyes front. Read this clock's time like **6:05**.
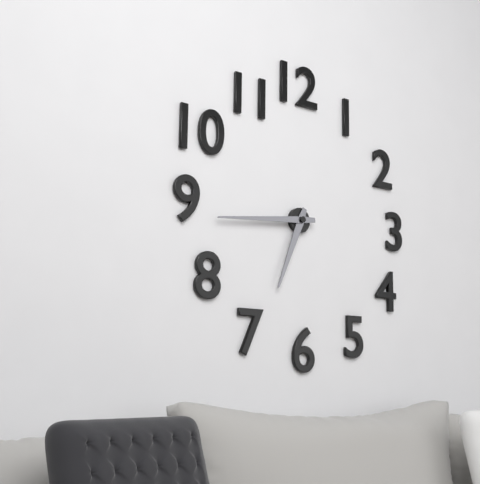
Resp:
**6:44**
